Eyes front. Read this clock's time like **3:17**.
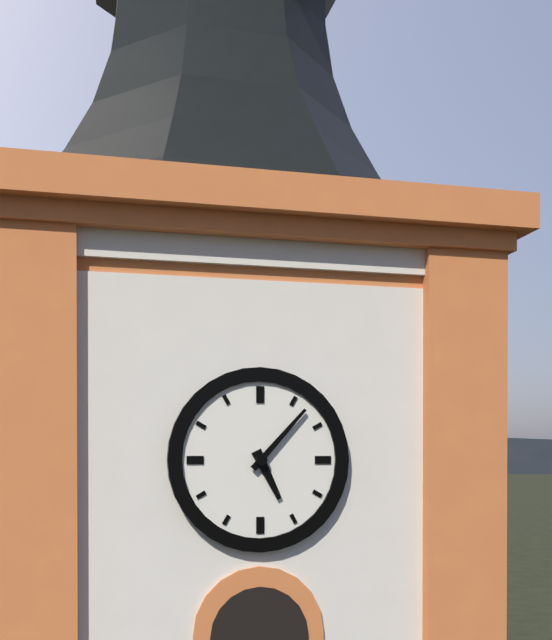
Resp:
**5:07**
